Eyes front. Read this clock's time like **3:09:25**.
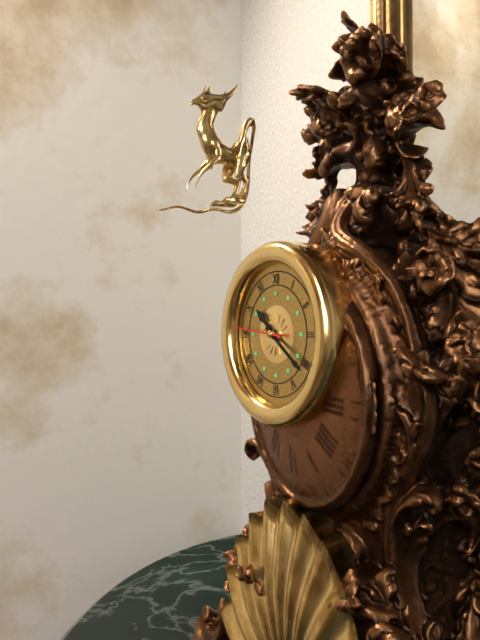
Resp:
**10:21:46**
